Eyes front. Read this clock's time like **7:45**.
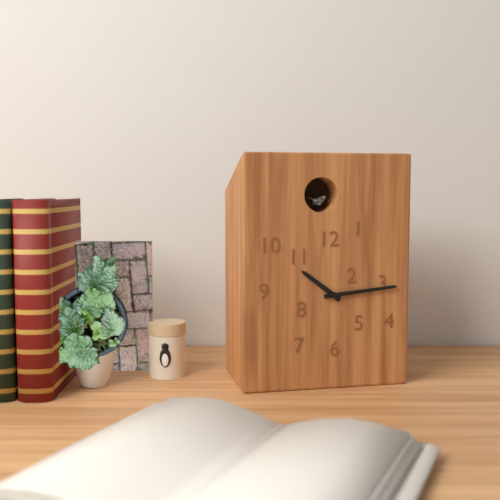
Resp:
**10:14**
